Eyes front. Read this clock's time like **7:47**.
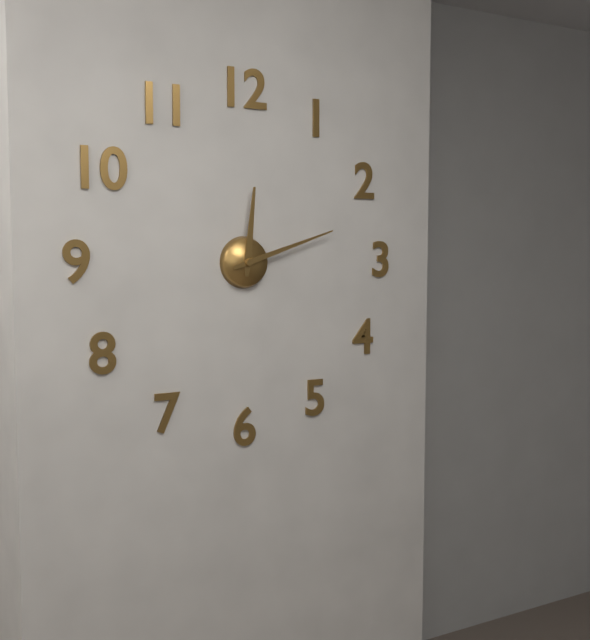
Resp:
**12:12**
